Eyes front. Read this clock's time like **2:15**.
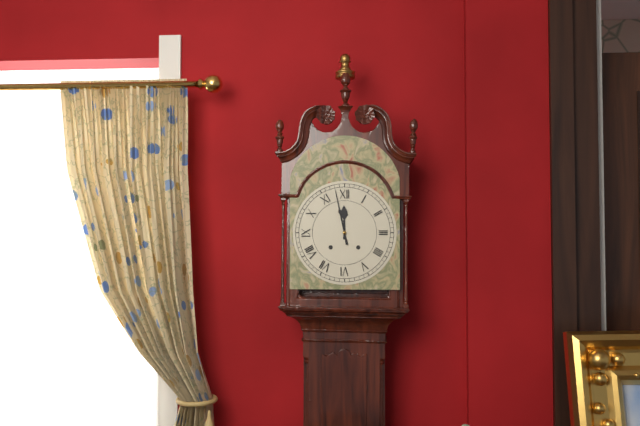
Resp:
**11:58**
